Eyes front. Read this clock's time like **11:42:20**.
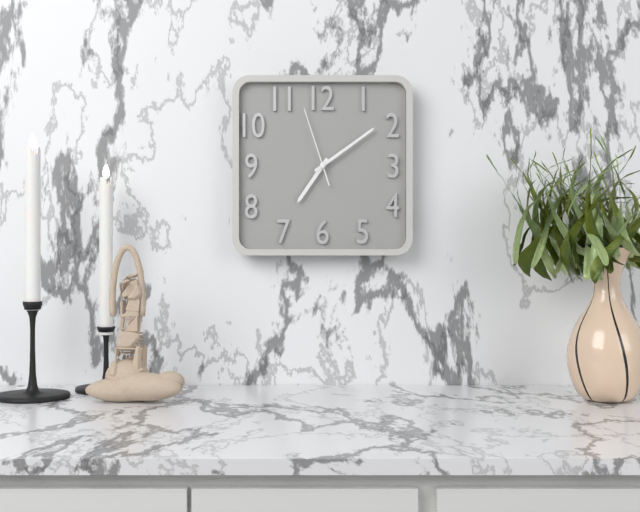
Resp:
**7:09:57**
